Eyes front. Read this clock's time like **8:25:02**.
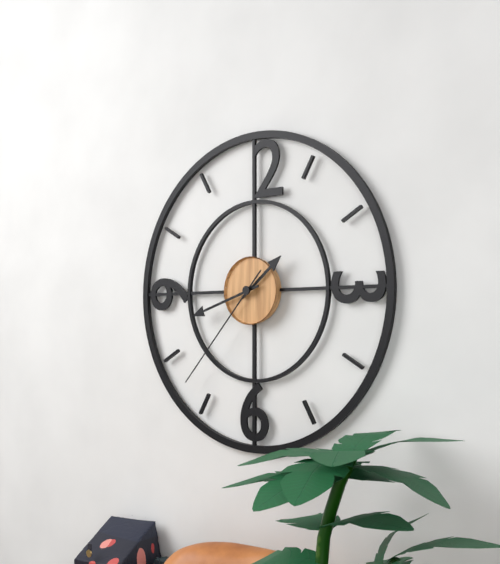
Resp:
**1:42:37**
